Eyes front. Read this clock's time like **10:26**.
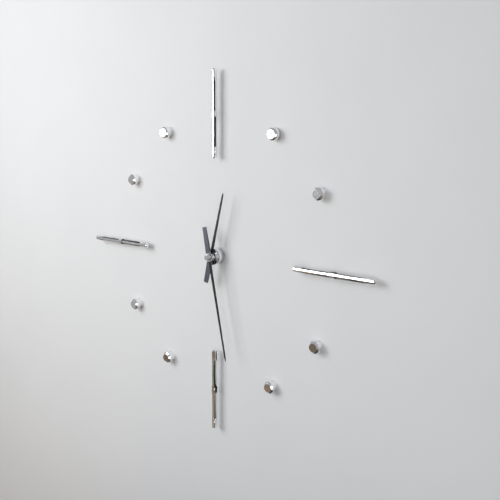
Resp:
**12:28**
